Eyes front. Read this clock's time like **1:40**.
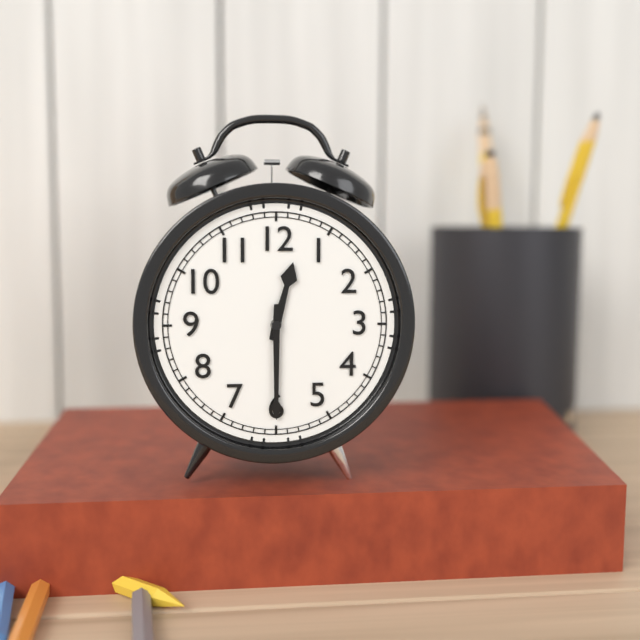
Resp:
**12:30**
